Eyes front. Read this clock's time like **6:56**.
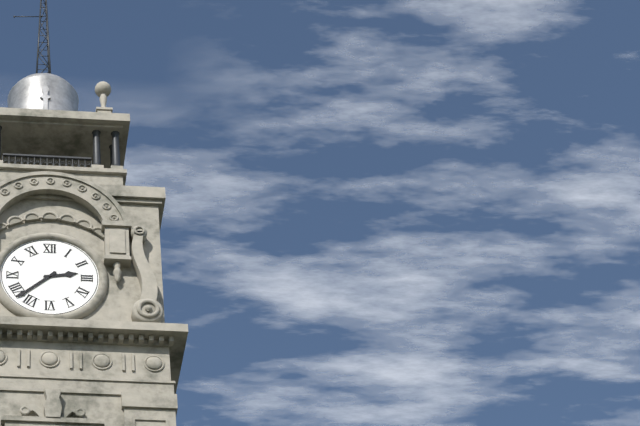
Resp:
**2:38**
